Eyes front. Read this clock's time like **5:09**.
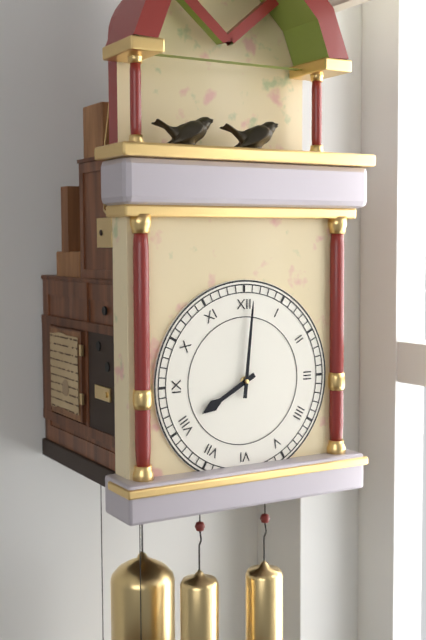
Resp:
**8:01**
